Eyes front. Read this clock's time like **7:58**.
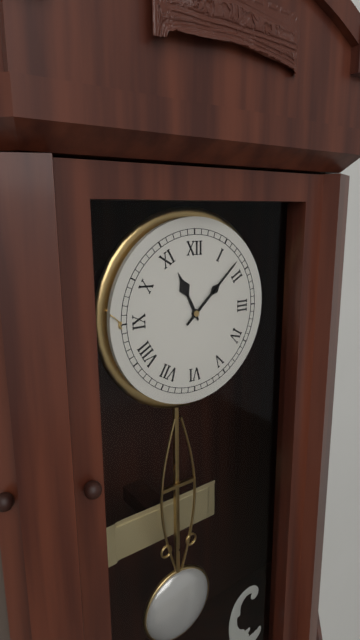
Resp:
**11:08**
